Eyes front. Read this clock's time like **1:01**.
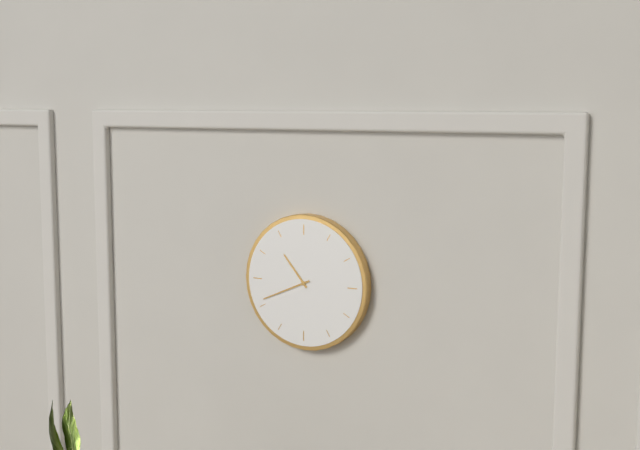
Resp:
**10:41**
